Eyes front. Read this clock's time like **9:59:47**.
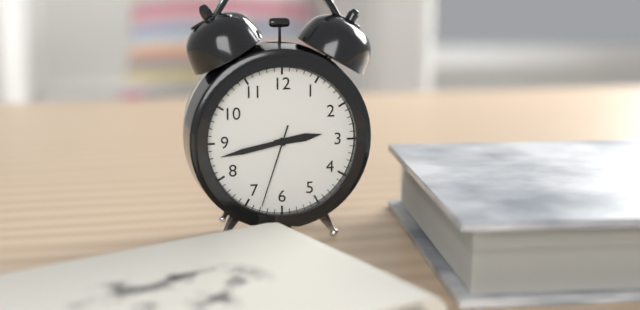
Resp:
**2:43:33**
